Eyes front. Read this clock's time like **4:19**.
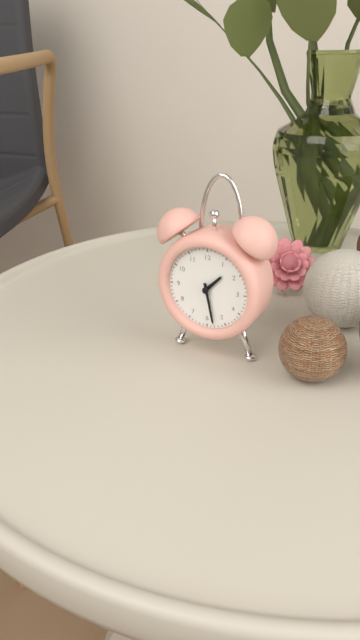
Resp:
**1:28**
